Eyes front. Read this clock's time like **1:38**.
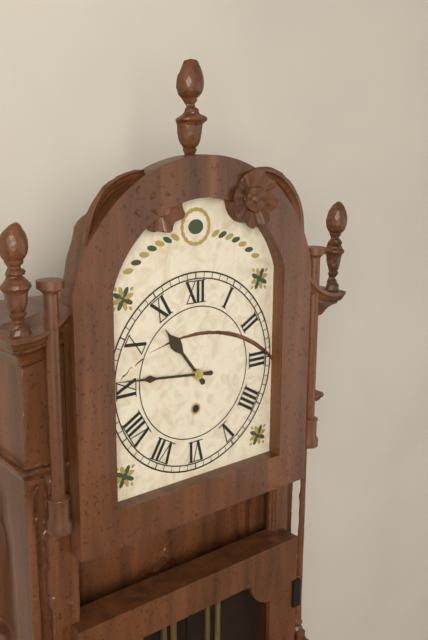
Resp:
**10:46**
